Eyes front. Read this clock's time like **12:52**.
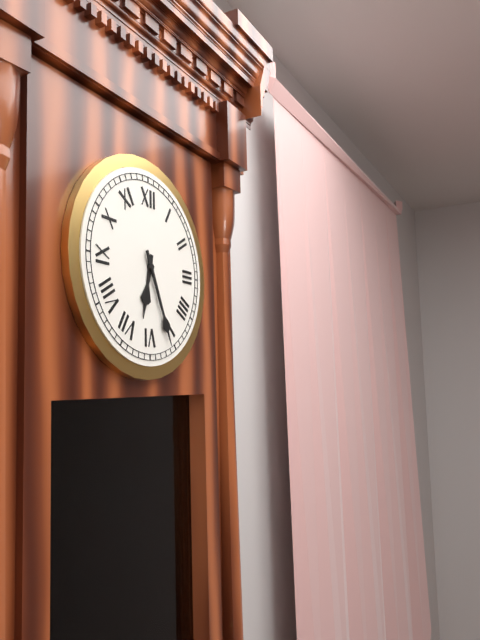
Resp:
**6:26**
